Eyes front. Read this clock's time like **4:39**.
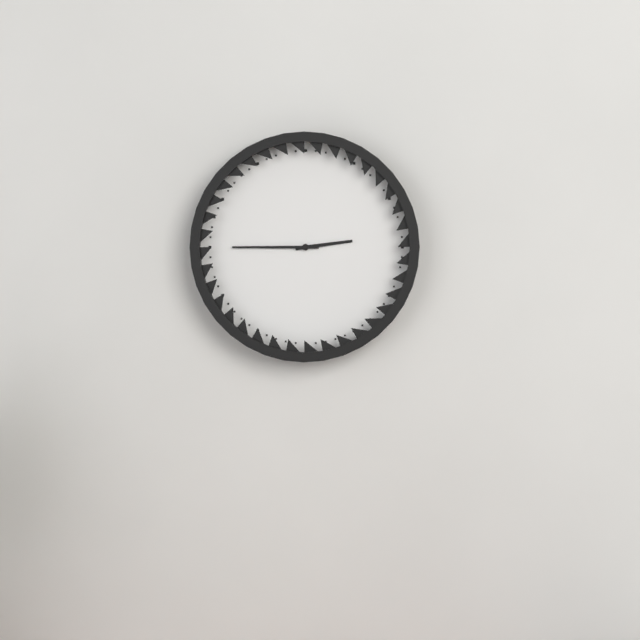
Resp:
**2:45**
